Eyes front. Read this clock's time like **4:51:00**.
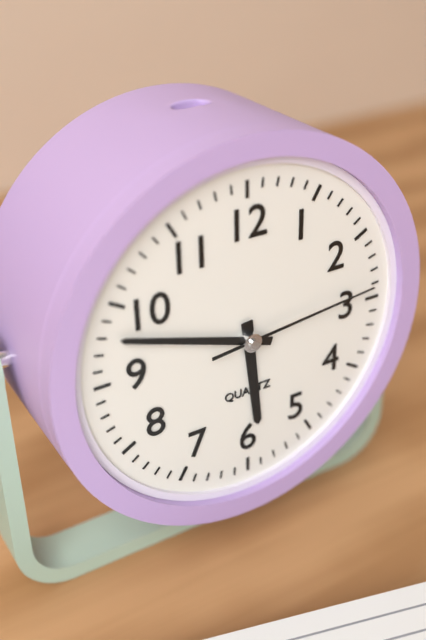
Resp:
**5:48:14**
